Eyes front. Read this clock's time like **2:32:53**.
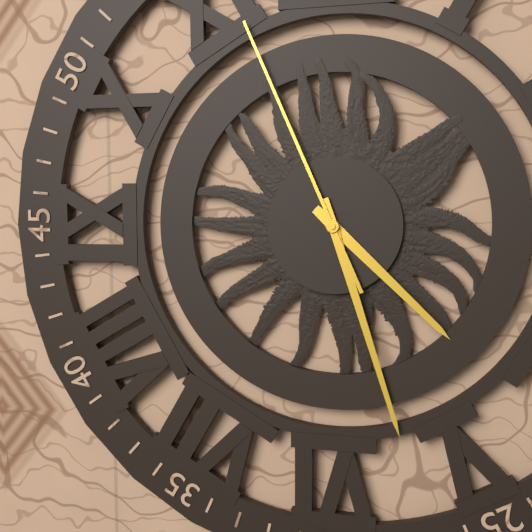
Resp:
**4:27:56**
